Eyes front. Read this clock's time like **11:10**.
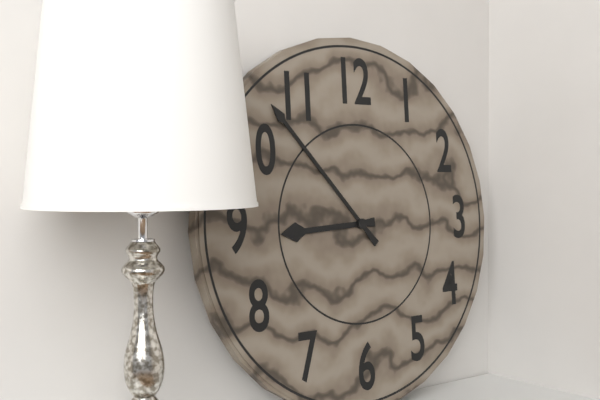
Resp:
**8:53**
